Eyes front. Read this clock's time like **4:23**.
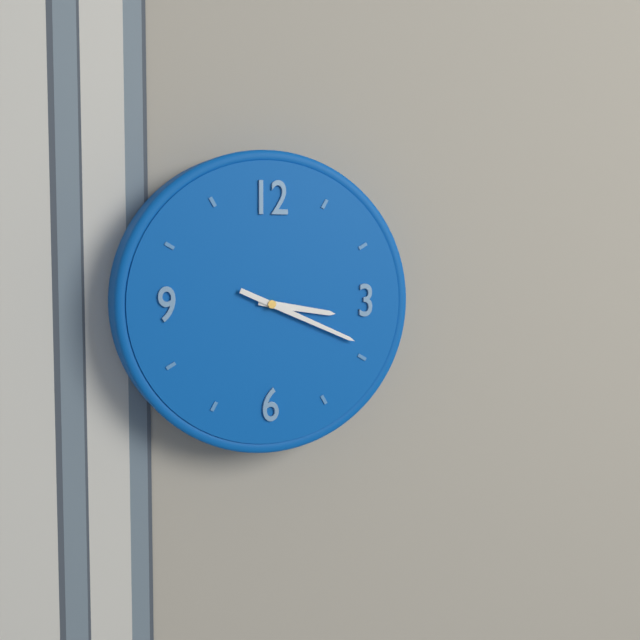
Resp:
**3:19**
